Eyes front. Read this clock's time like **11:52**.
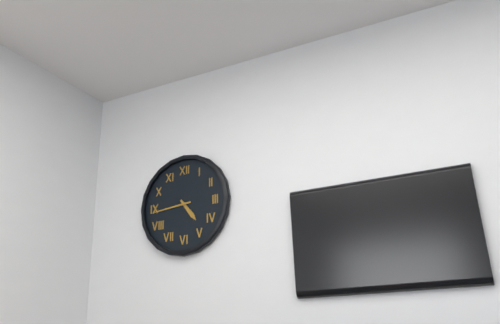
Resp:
**4:44**
